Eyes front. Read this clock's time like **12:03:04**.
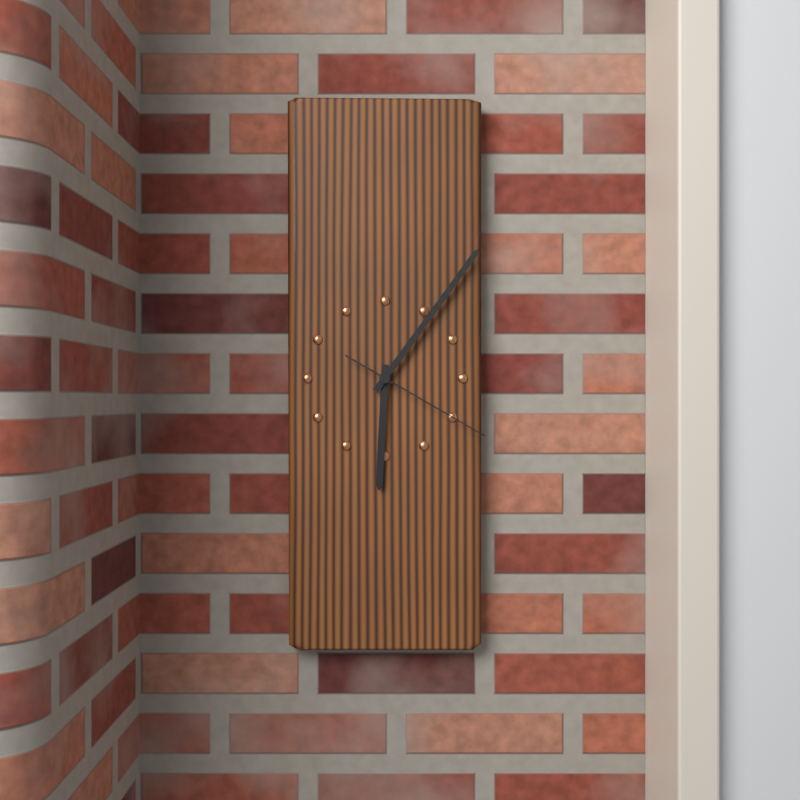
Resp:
**6:06:20**
